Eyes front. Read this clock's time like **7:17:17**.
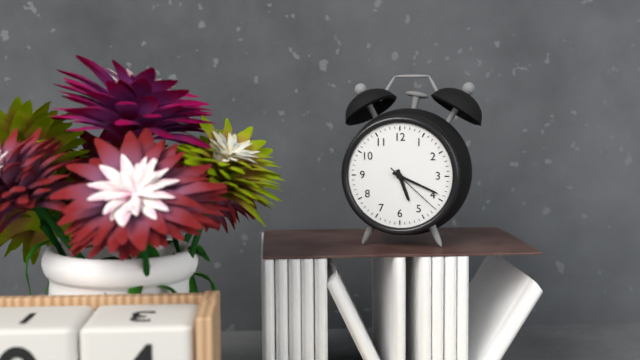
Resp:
**5:19:22**
